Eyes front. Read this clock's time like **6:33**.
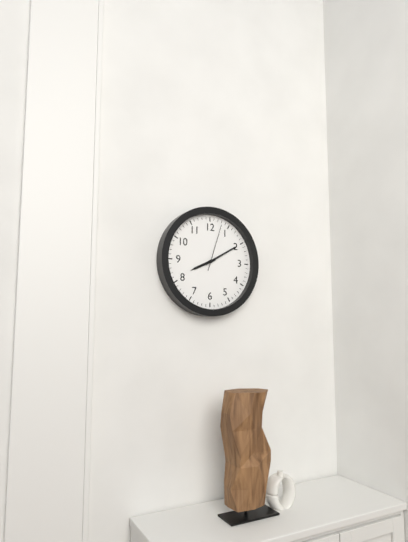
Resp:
**8:10**
